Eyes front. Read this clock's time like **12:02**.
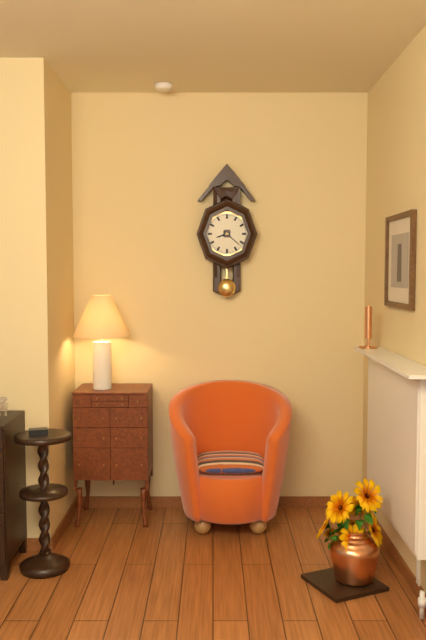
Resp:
**8:22**
